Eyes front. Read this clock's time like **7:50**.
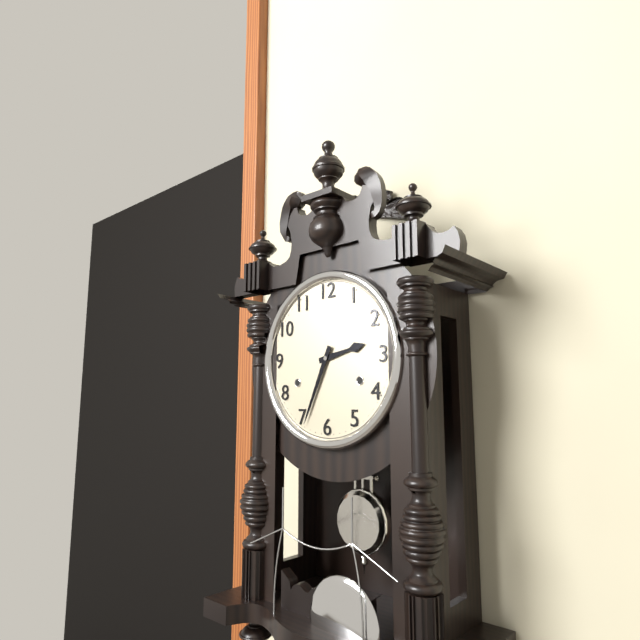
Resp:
**2:34**
